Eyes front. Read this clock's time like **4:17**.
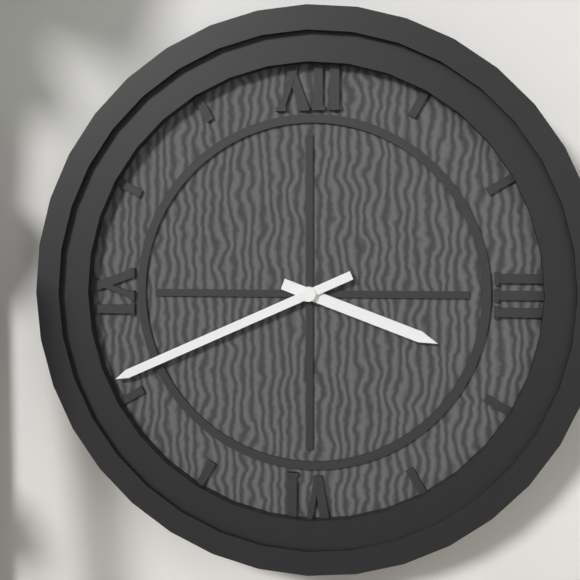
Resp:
**3:41**
